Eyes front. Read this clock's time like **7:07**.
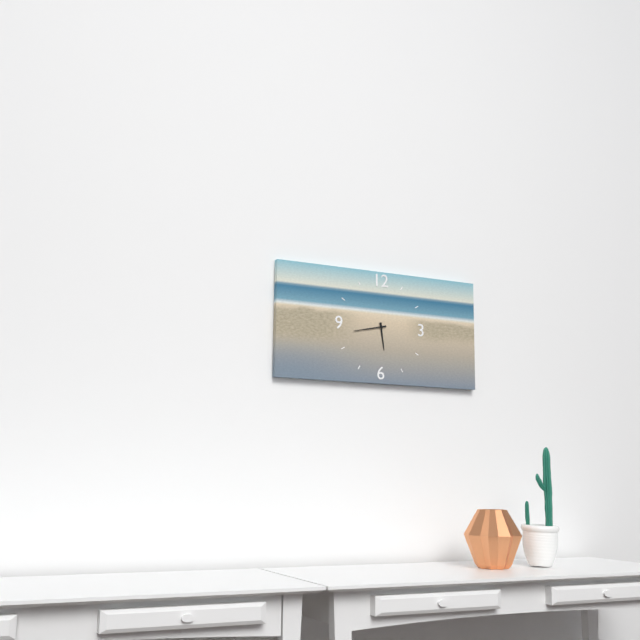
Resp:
**5:43**
